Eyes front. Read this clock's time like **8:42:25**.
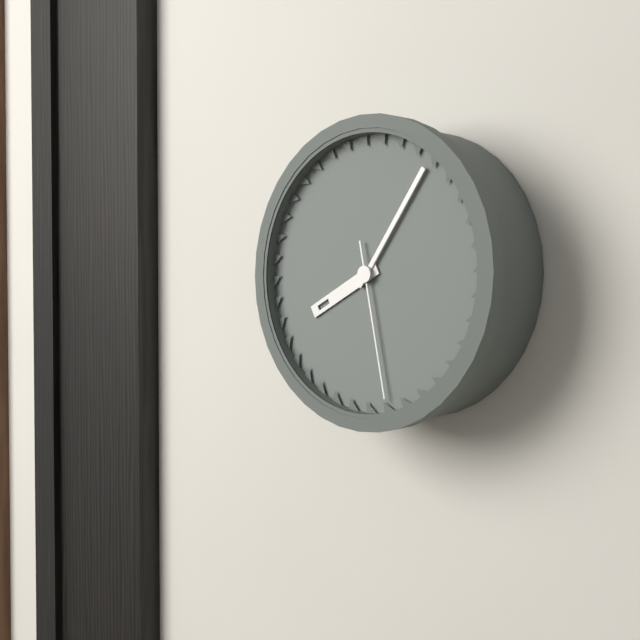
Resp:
**8:06:28**
